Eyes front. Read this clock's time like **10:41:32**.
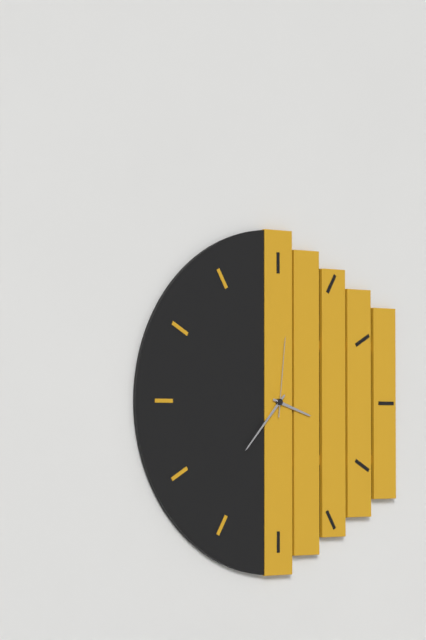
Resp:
**3:37:01**
